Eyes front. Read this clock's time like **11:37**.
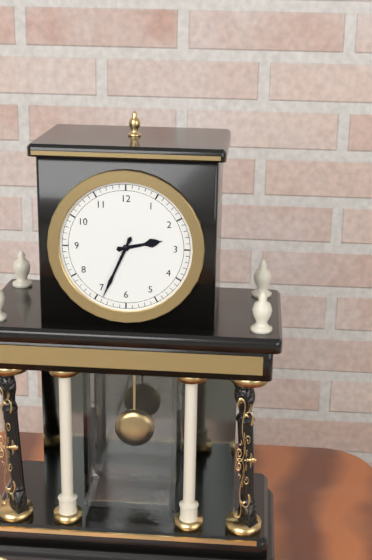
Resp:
**2:34**
